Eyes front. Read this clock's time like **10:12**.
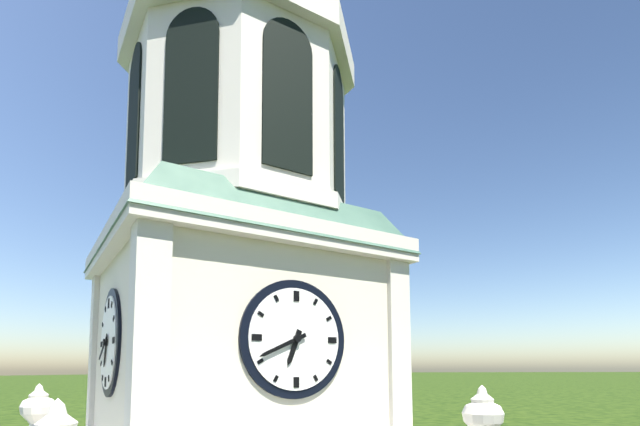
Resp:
**6:41**
